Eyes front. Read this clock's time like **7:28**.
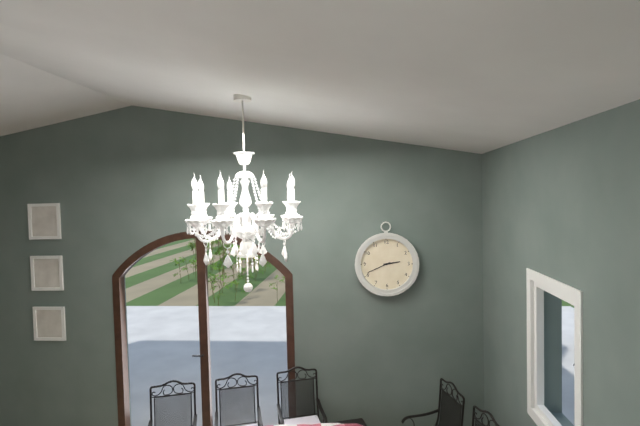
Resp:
**2:41**
